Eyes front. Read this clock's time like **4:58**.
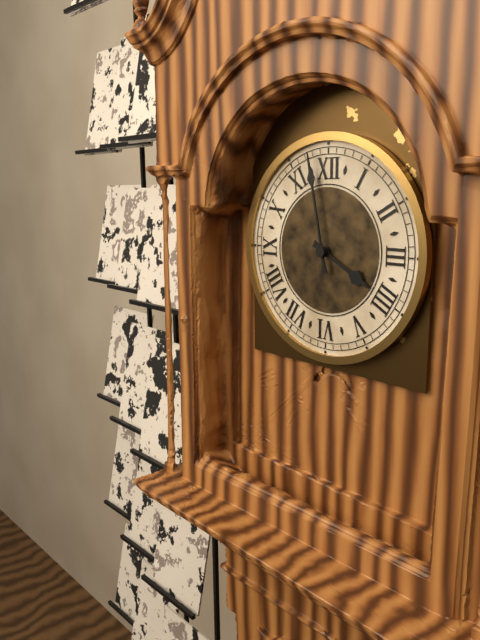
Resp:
**3:58**
